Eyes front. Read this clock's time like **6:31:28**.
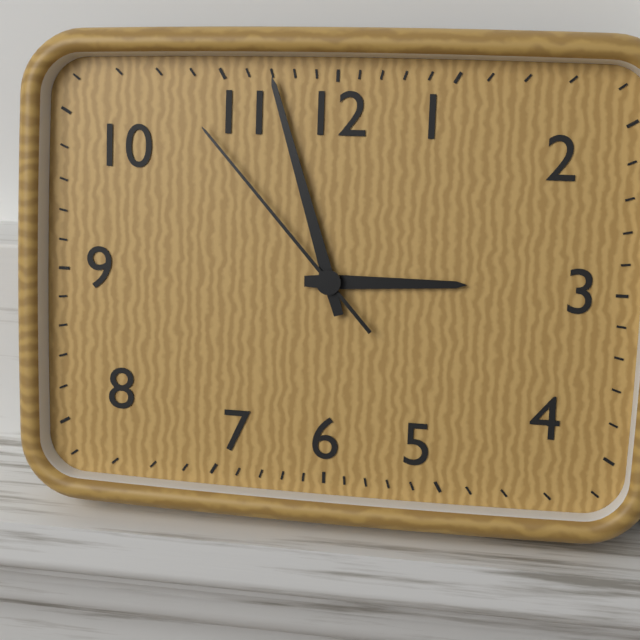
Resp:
**2:57:53**
